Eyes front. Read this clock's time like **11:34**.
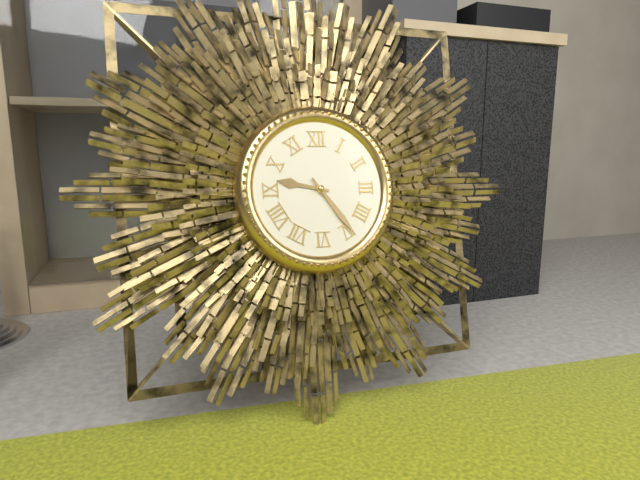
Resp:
**9:24**
